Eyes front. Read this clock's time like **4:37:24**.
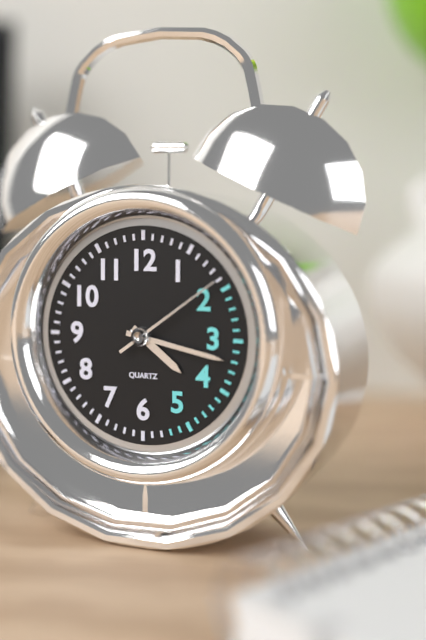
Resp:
**4:17:09**
